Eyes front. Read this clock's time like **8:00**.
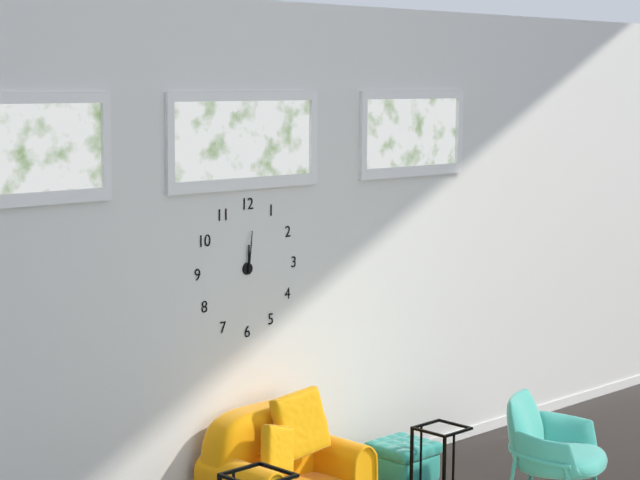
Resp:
**12:01**
